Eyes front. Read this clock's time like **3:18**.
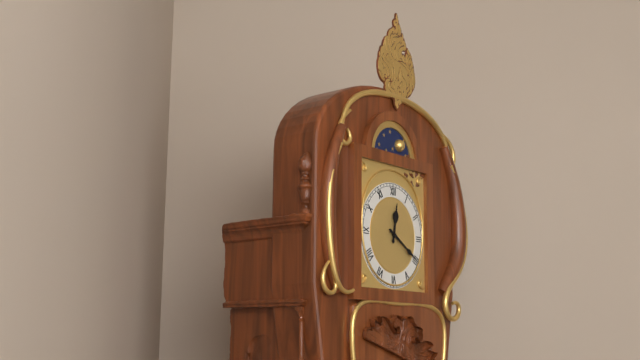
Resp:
**12:20**
